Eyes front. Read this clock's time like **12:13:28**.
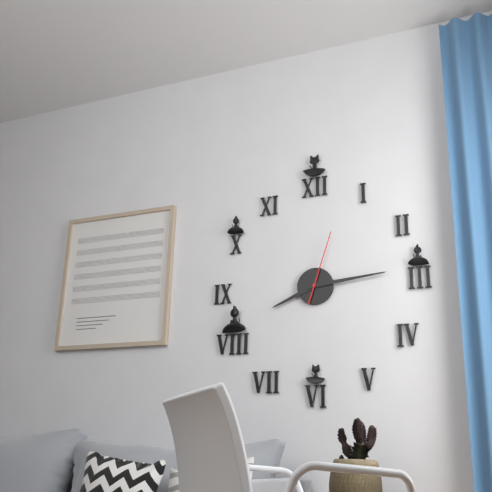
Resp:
**8:14:03**
